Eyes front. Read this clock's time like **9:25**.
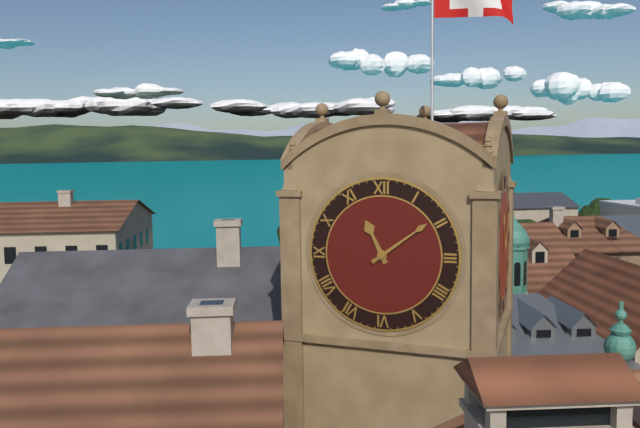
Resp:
**11:09**
